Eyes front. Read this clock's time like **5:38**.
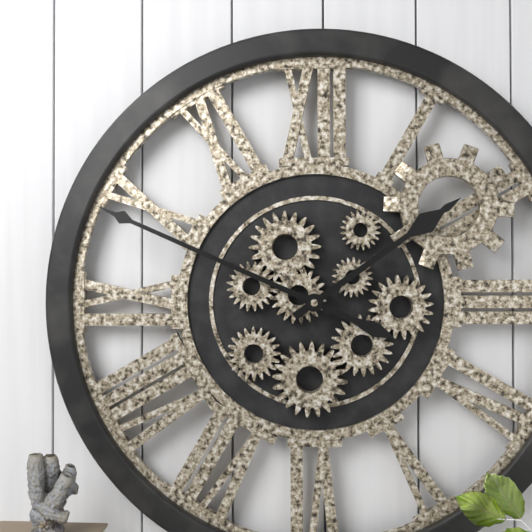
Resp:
**1:49**
